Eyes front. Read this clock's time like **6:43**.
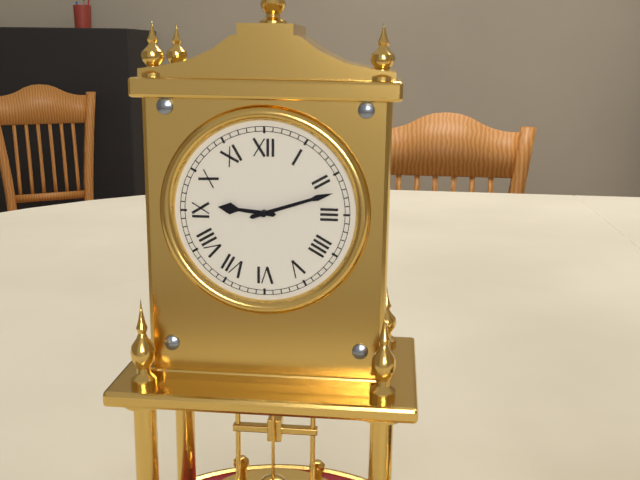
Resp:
**9:12**
